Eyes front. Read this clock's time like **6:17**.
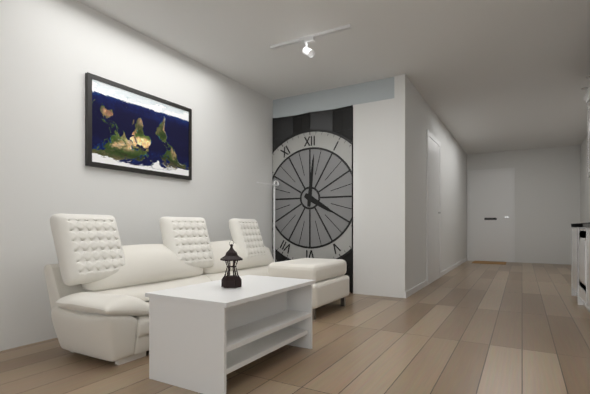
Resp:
**4:01**
